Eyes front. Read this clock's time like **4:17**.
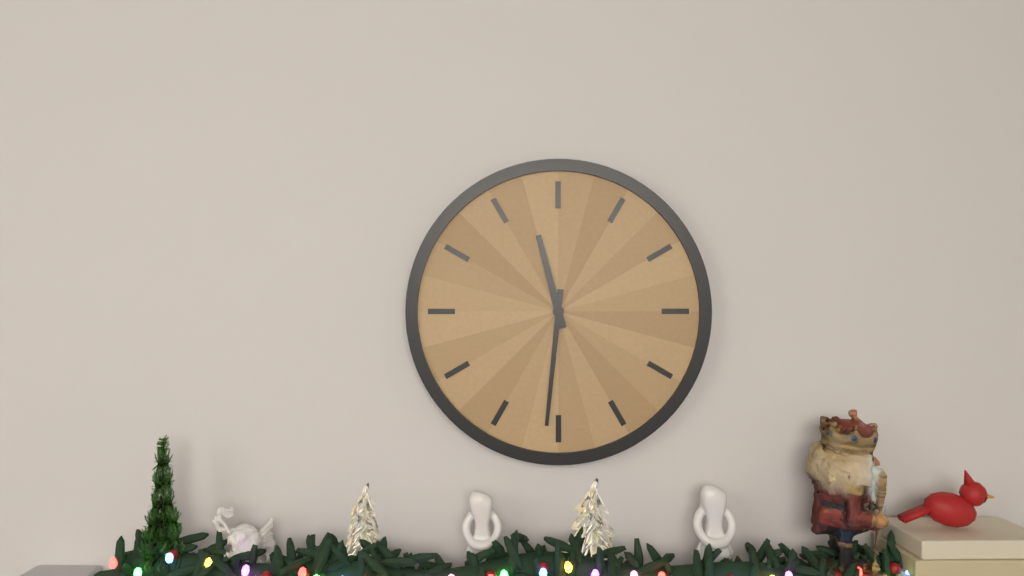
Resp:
**11:31**
